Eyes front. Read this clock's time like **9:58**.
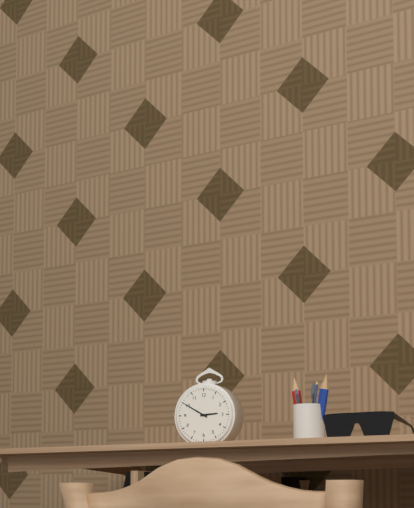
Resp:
**2:50**
